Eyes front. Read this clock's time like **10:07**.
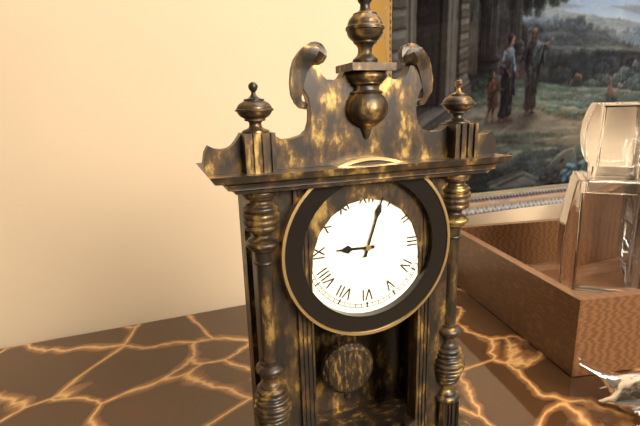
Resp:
**9:03**
